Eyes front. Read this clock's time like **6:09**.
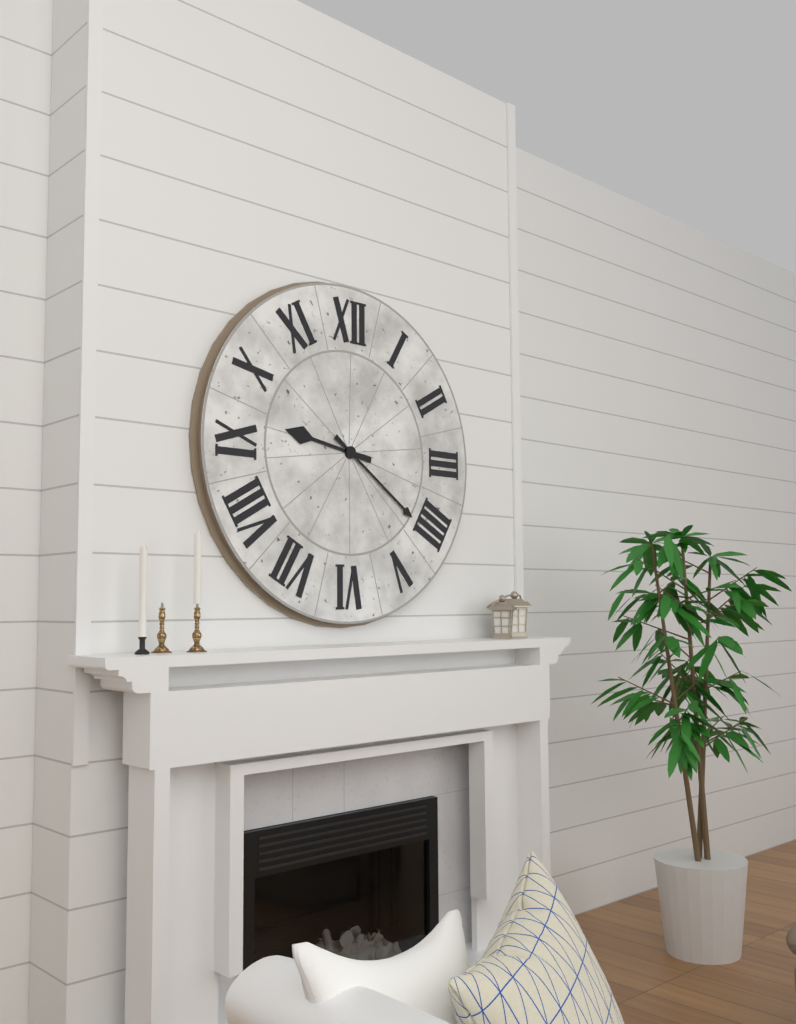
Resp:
**9:21**
